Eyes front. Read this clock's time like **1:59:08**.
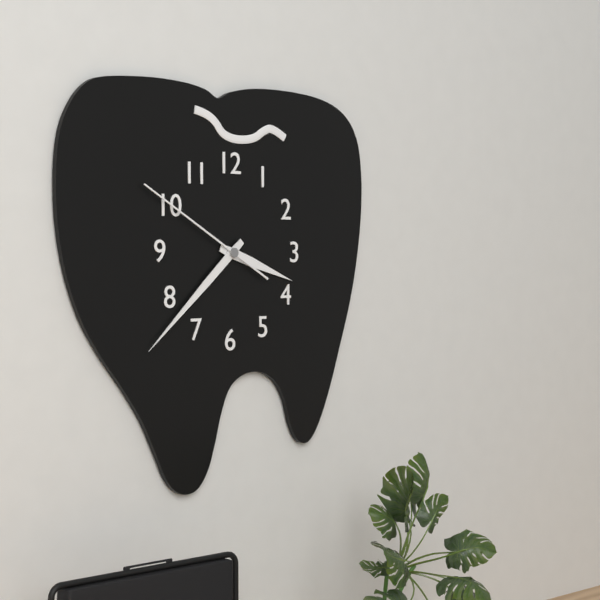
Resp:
**3:38:50**
